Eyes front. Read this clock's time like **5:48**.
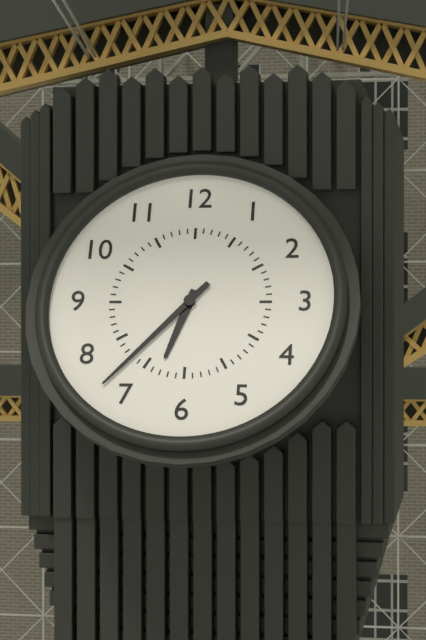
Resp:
**6:37**
